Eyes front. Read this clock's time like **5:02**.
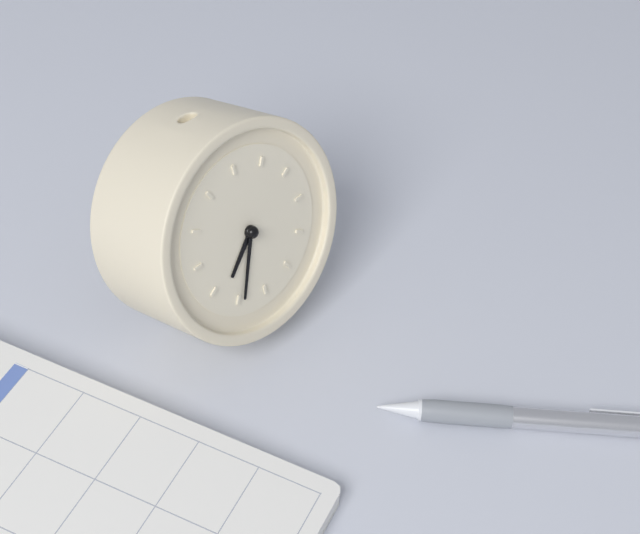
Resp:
**7:34**
